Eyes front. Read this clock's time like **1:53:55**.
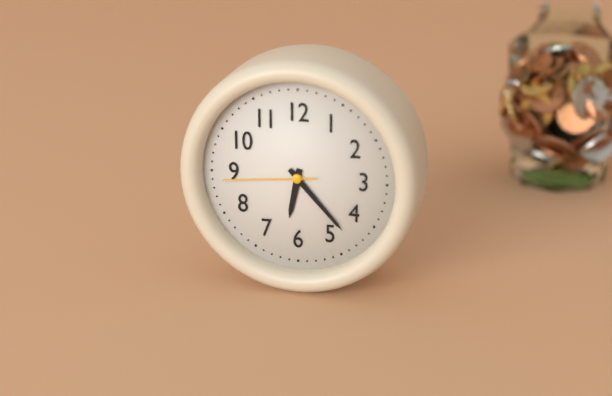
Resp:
**6:23:44**
